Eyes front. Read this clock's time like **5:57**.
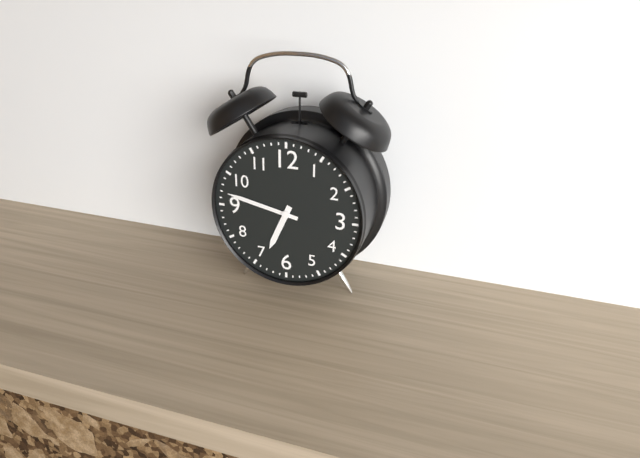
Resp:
**6:47**
